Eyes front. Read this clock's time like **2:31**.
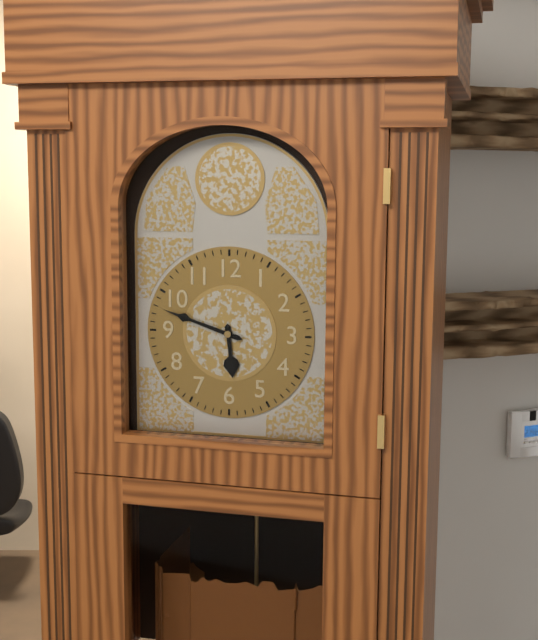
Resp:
**5:48**
